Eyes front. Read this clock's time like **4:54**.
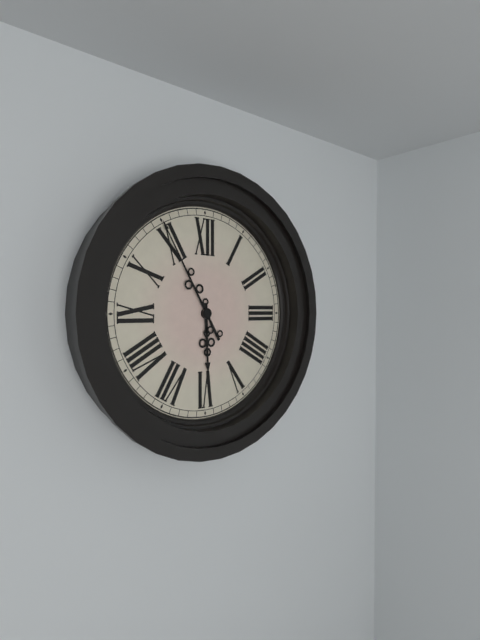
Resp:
**5:55**
